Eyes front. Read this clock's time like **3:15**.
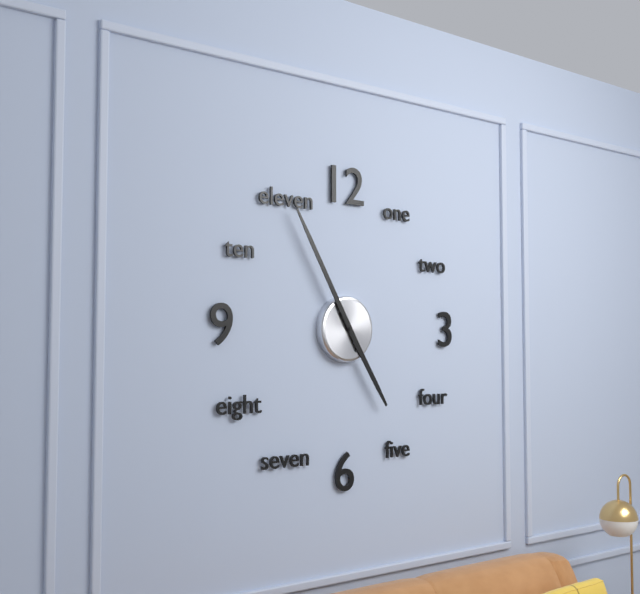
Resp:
**4:55**
